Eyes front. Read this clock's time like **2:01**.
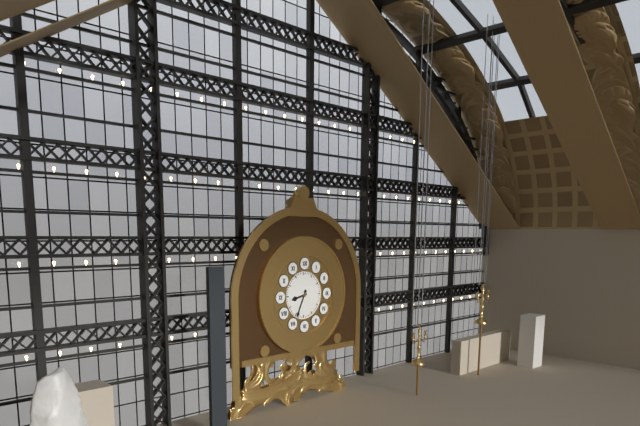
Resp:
**8:34**
